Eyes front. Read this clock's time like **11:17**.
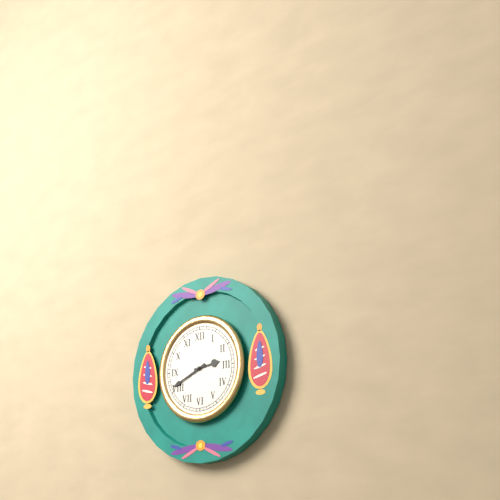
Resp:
**2:41**
